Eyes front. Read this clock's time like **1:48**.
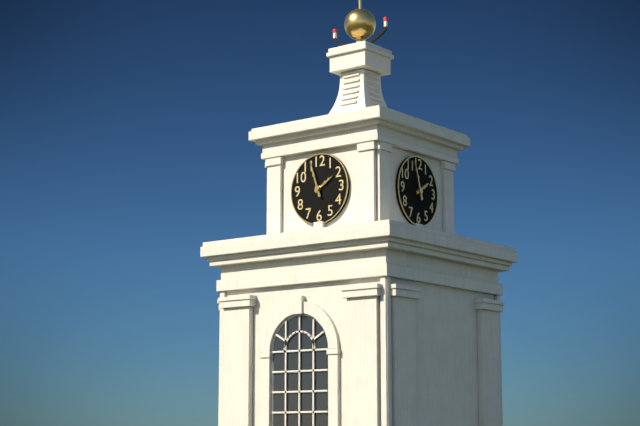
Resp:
**1:57**
